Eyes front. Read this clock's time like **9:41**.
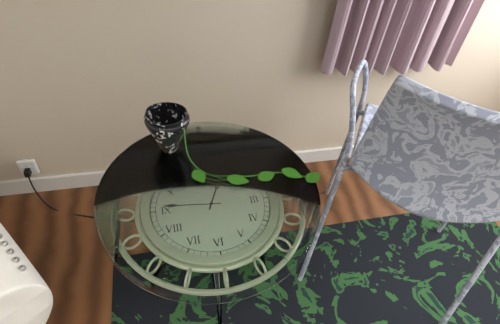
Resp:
**12:46**
